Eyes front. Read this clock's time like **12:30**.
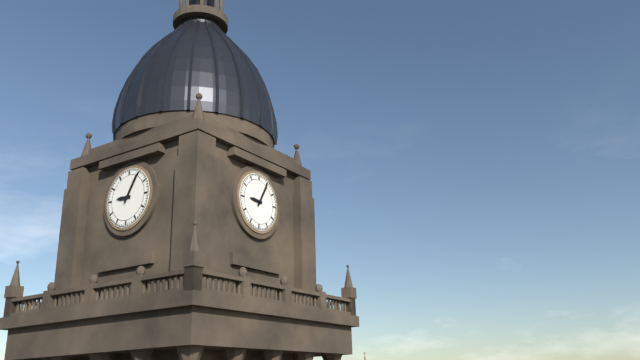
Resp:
**9:05**
